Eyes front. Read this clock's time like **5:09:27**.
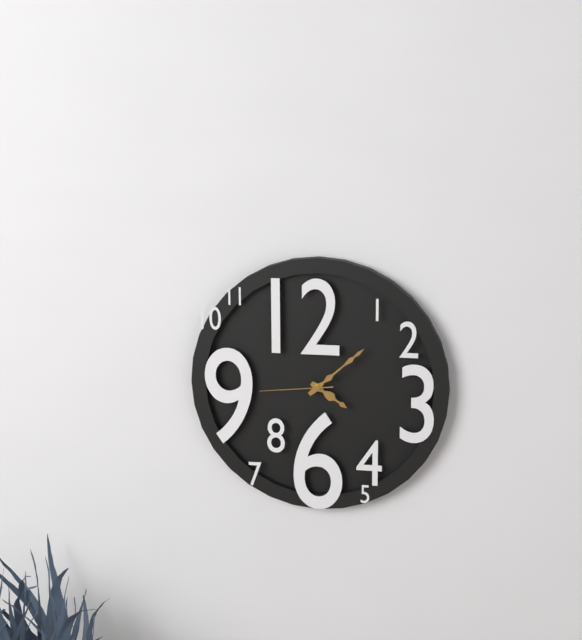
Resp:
**4:08:44**
